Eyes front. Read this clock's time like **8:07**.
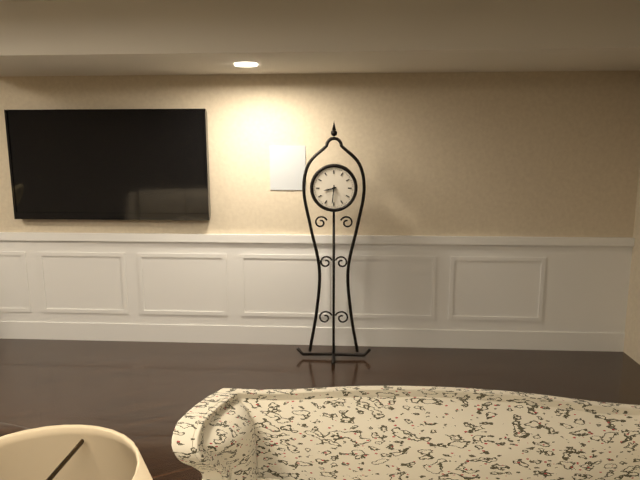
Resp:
**8:31**
